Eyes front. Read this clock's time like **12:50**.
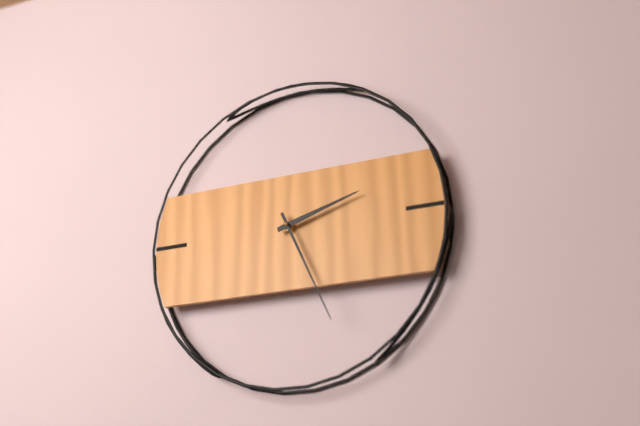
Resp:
**2:26**
